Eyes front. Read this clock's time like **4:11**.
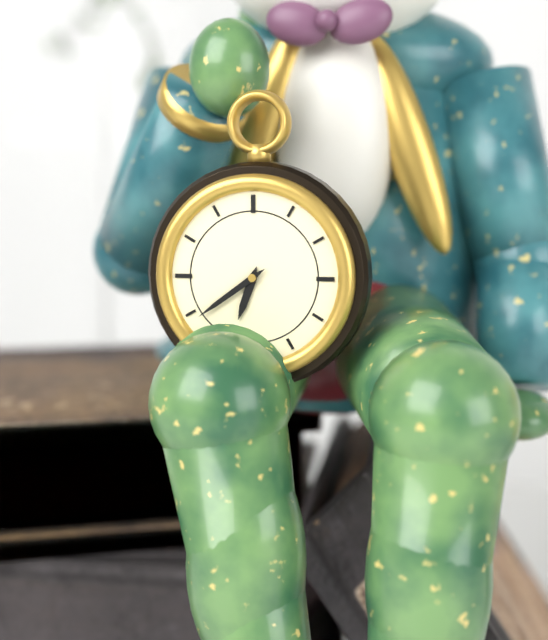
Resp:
**6:39**
